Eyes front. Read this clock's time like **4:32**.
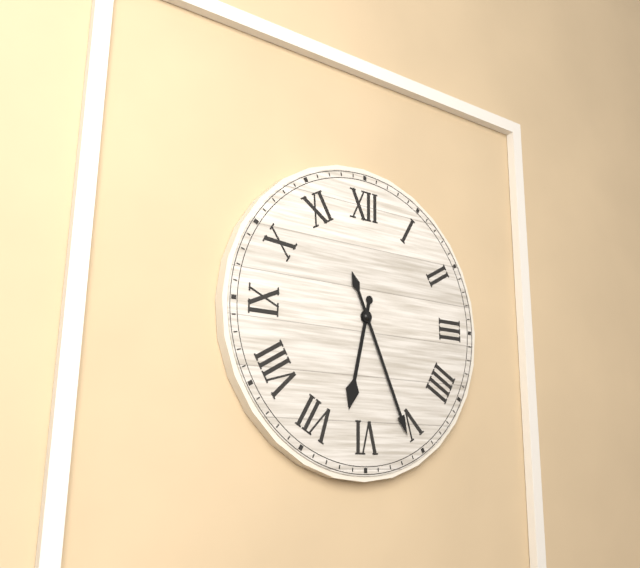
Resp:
**6:26**
